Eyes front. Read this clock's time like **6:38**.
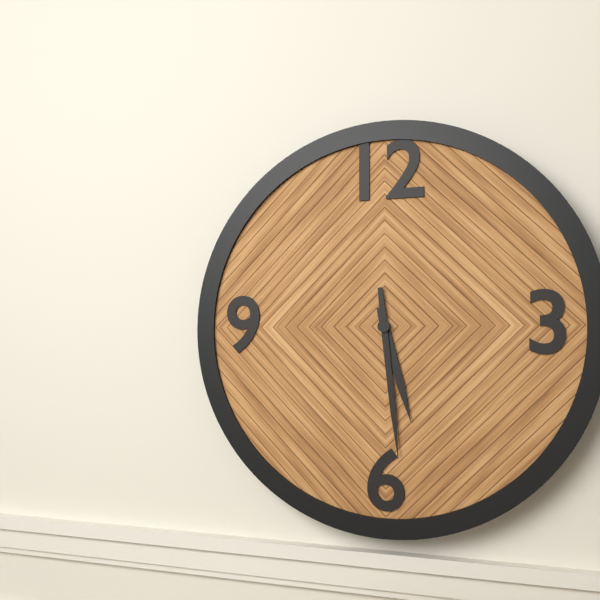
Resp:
**5:29**
